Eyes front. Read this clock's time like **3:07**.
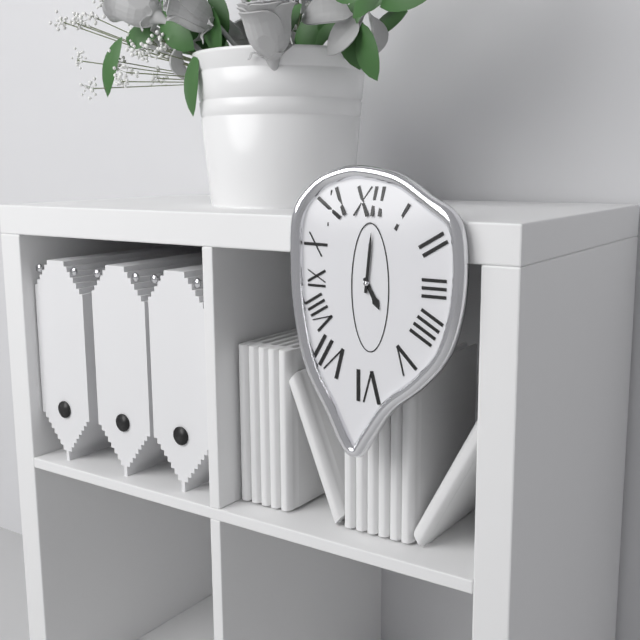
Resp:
**5:01**
